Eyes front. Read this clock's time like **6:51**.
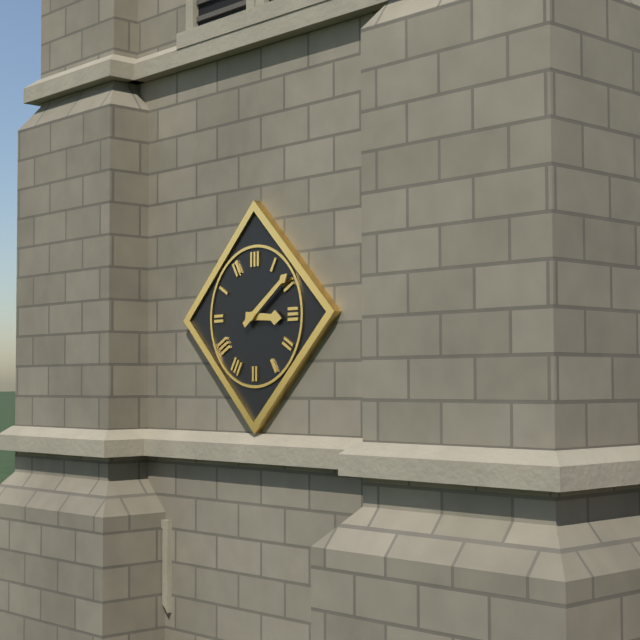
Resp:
**3:09**
